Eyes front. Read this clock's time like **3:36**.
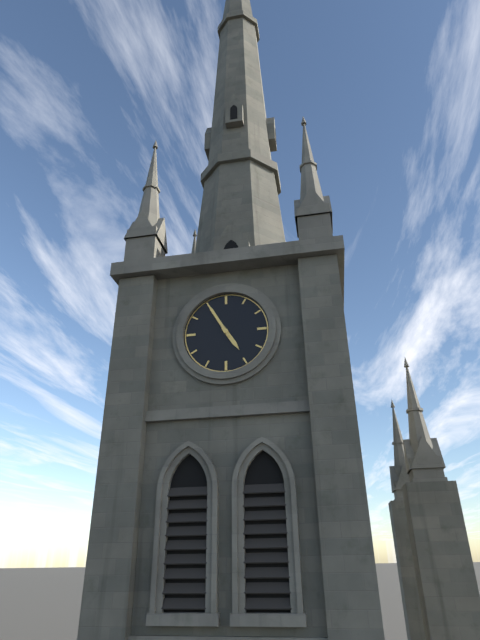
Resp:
**4:55**
